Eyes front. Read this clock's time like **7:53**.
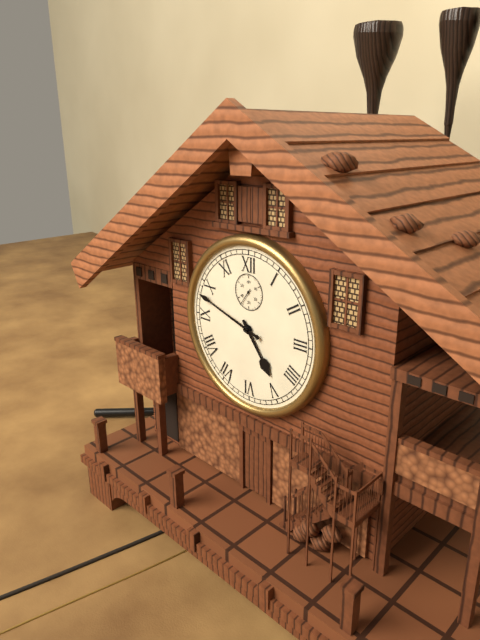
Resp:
**4:48**
